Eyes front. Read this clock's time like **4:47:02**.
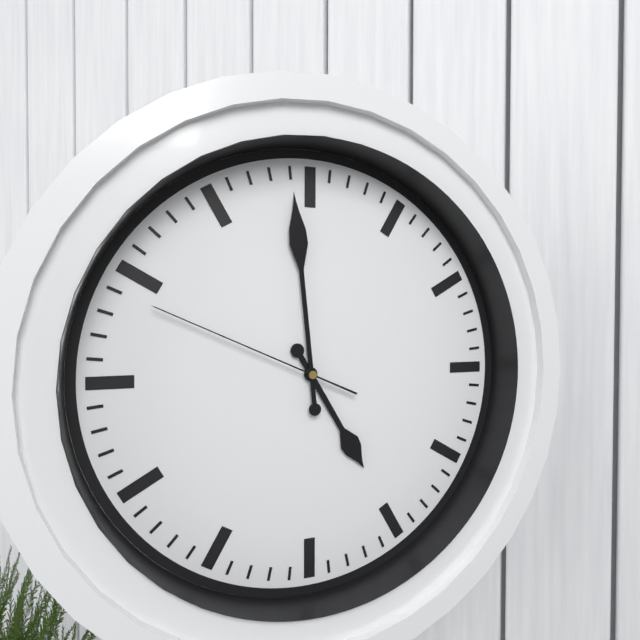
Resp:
**4:59:49**
